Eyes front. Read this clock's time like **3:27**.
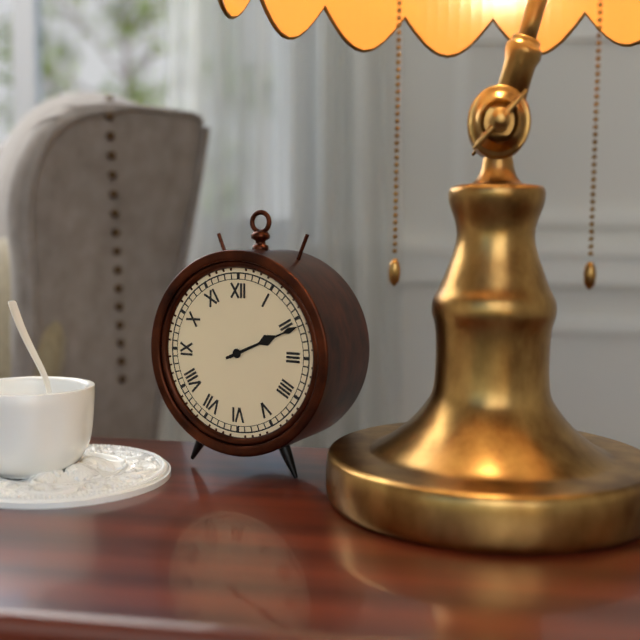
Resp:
**2:11**
